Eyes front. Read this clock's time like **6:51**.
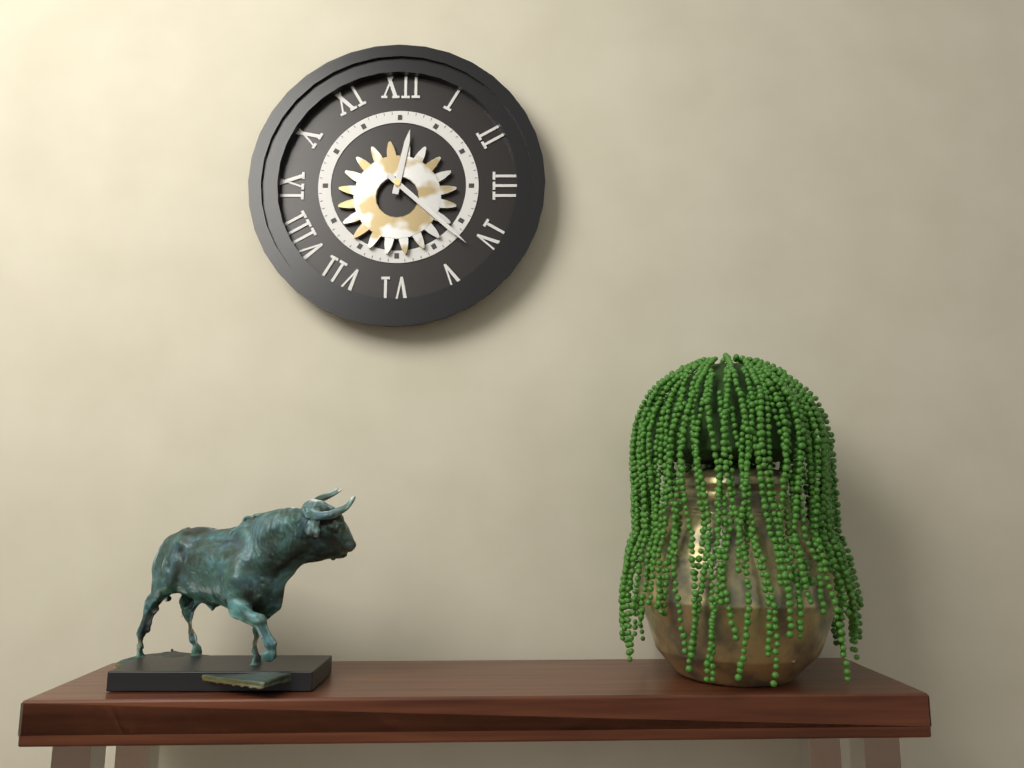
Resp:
**12:22**
